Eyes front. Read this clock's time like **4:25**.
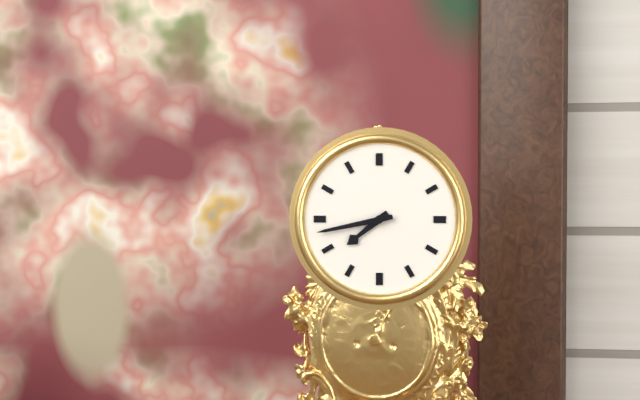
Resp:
**7:43**
